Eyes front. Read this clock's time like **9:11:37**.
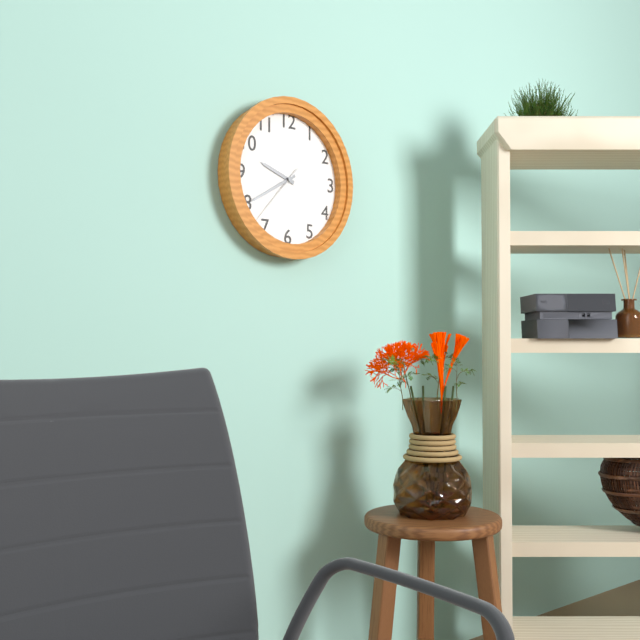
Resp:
**9:40:37**
